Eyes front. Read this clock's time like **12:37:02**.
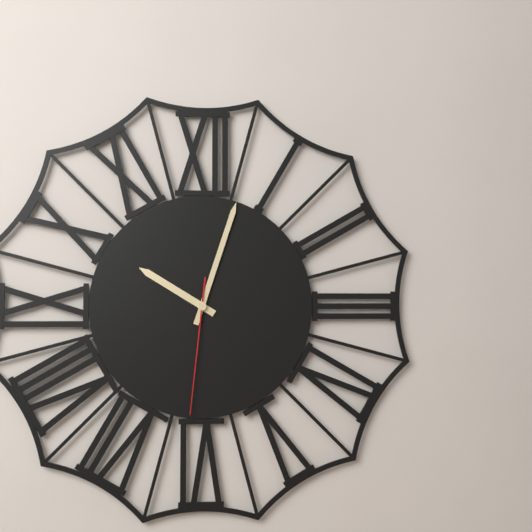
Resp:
**10:03:31**
